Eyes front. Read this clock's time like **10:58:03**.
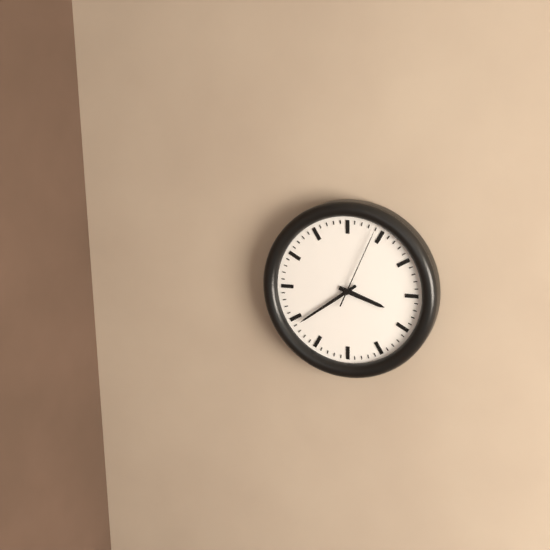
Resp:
**3:39:04**
